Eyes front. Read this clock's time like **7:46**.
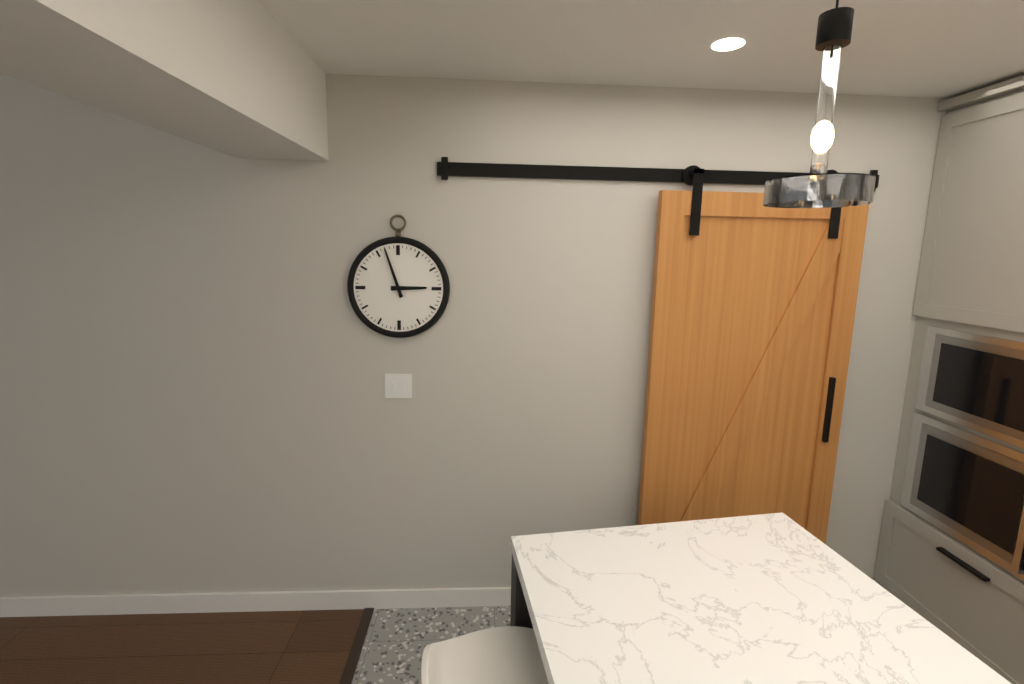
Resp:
**2:57**
